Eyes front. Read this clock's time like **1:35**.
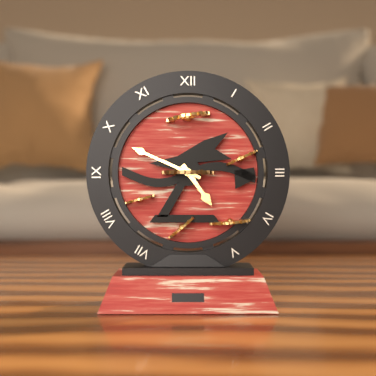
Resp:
**4:49**
